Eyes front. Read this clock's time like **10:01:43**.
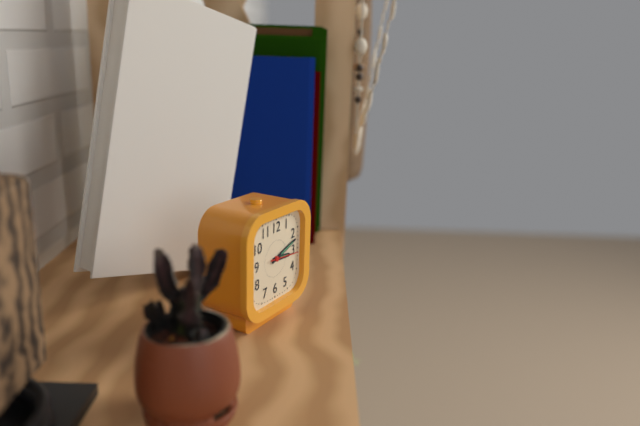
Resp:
**3:12:16**
